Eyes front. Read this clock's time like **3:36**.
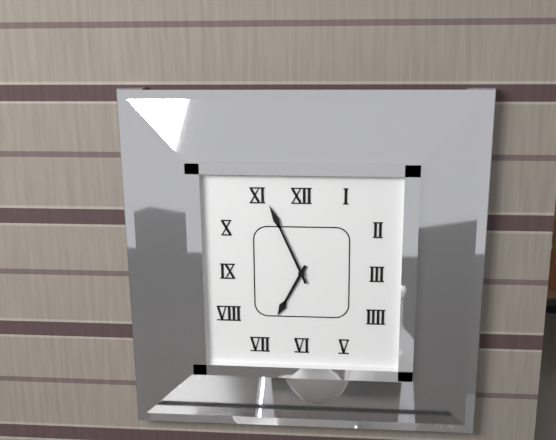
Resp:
**6:56**
